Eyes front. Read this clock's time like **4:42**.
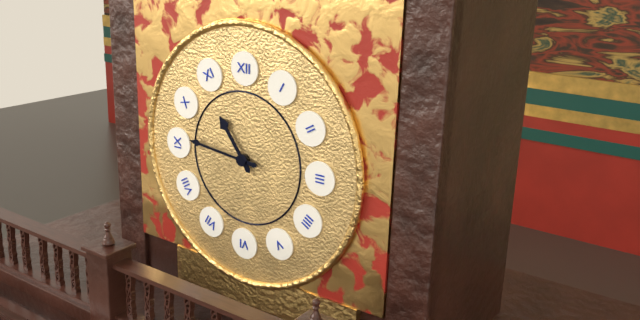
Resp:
**10:46**
